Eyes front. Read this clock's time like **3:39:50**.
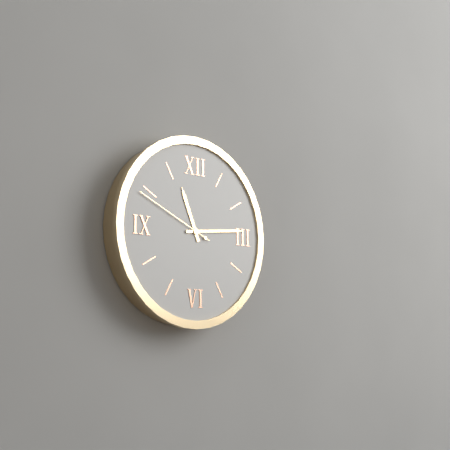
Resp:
**11:14:49**
